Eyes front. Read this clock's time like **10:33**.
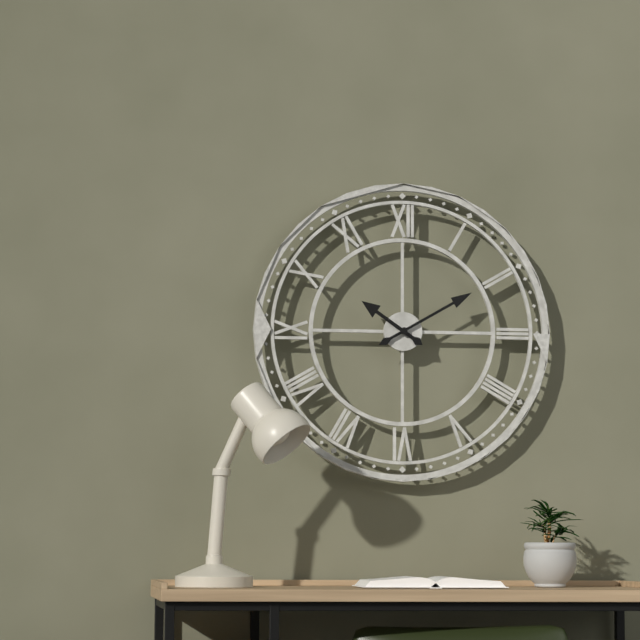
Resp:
**10:10**
